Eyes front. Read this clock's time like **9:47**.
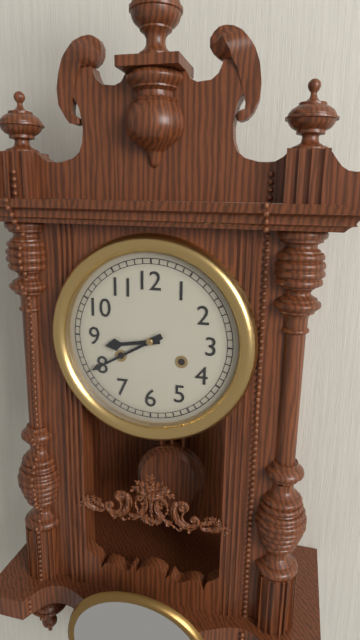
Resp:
**8:40**
